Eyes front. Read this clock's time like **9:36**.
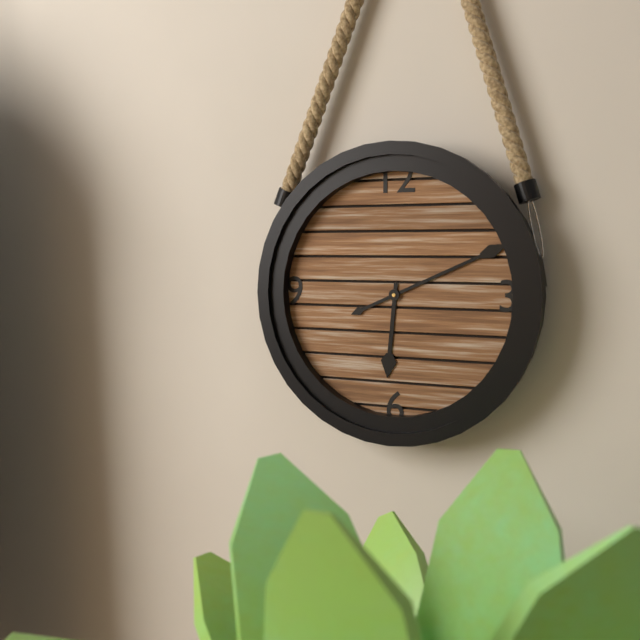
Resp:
**6:11**
